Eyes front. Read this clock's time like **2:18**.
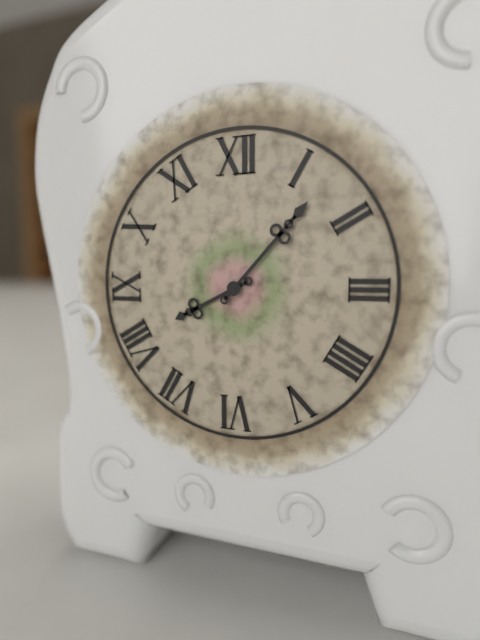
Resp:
**8:07**
